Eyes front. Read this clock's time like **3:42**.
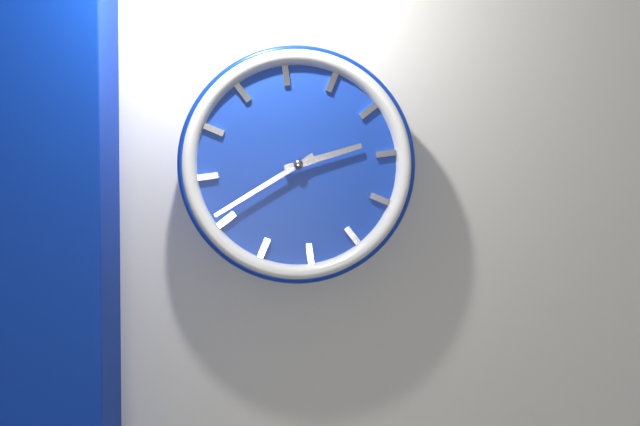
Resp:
**2:41**
